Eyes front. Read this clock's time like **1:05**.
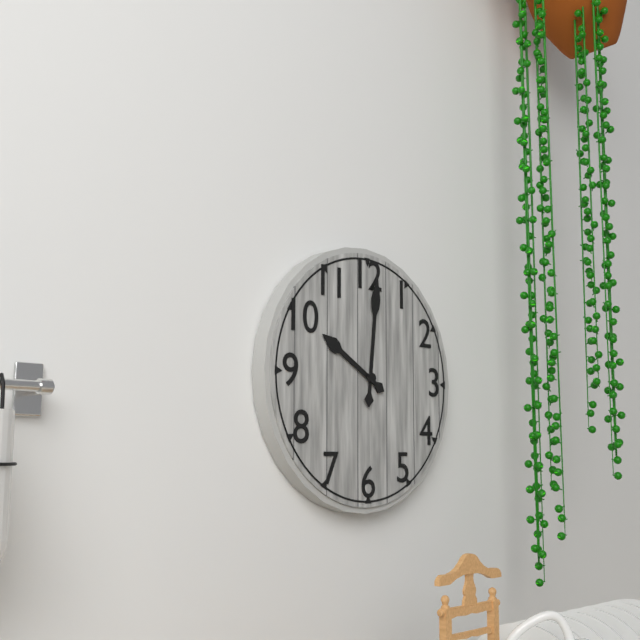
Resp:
**10:01**
